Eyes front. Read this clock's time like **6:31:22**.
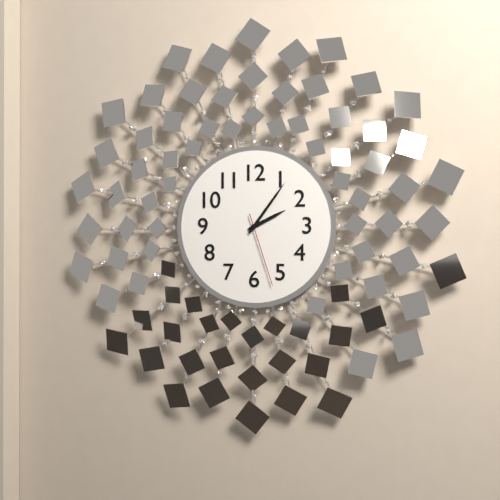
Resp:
**2:06:27**
